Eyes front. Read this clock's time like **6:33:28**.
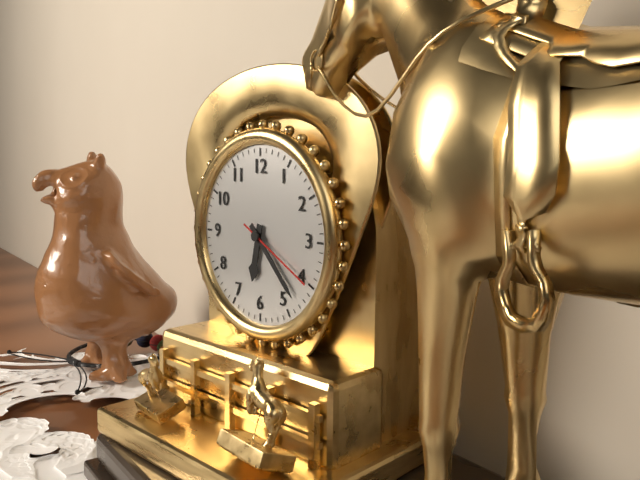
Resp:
**6:23:20**
